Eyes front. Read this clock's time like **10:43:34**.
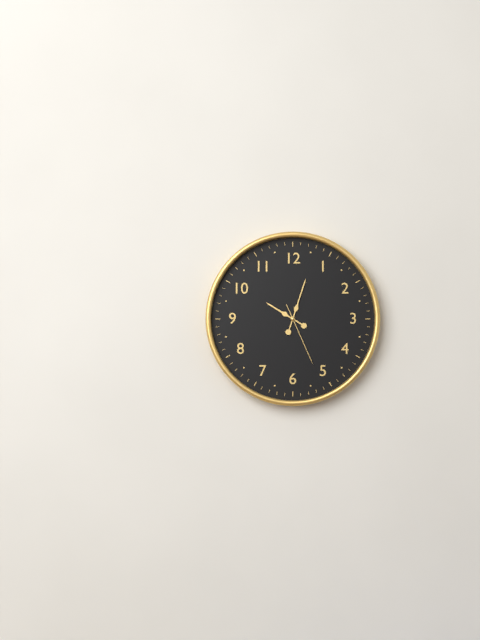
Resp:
**10:03:26**
